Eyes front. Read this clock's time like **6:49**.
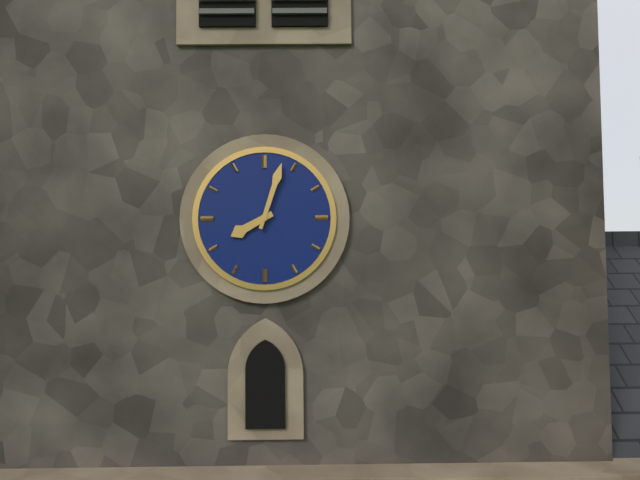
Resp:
**8:03**
